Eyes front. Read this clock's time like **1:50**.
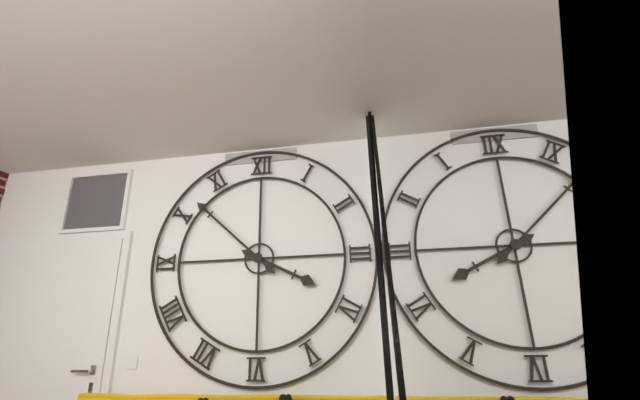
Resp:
**3:52**
